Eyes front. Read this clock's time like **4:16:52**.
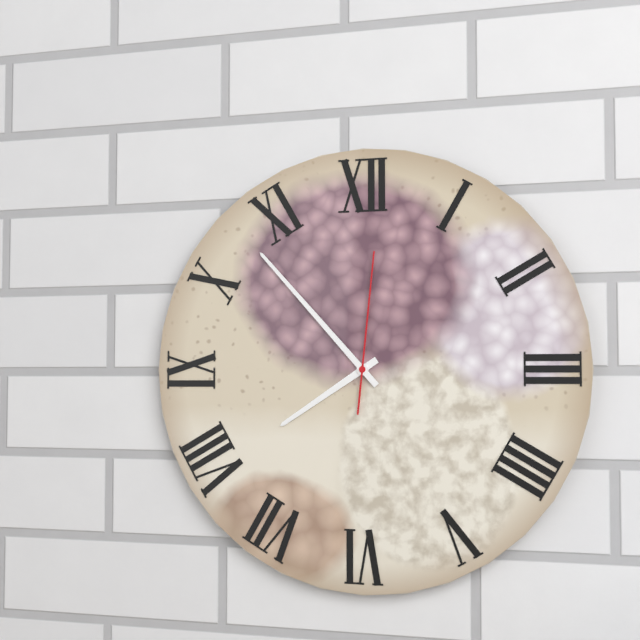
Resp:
**7:53:01**
